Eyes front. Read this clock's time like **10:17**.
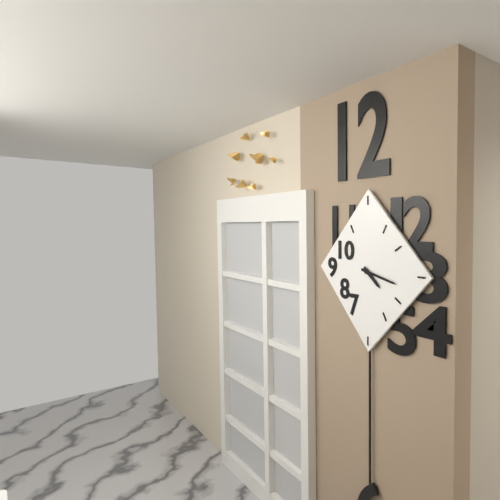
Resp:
**4:17**
